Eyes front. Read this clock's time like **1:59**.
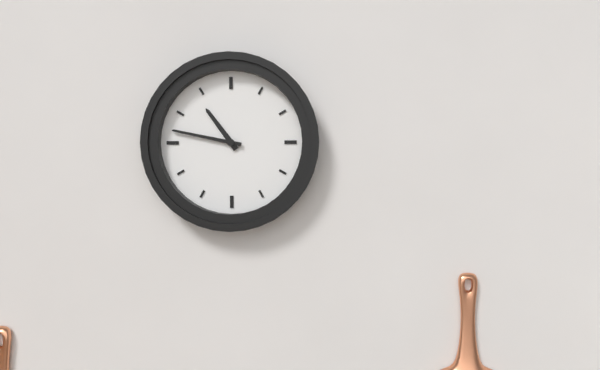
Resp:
**10:47**
